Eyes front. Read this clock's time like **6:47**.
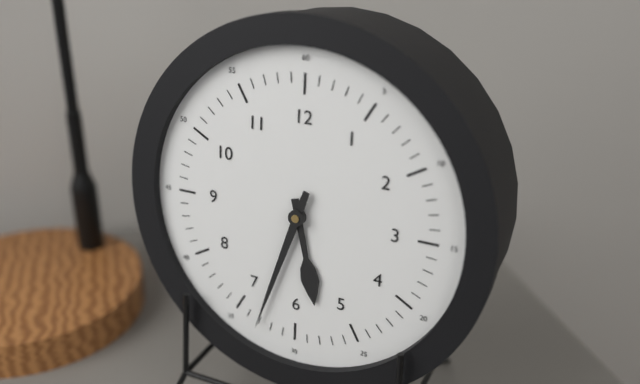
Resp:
**5:33**
